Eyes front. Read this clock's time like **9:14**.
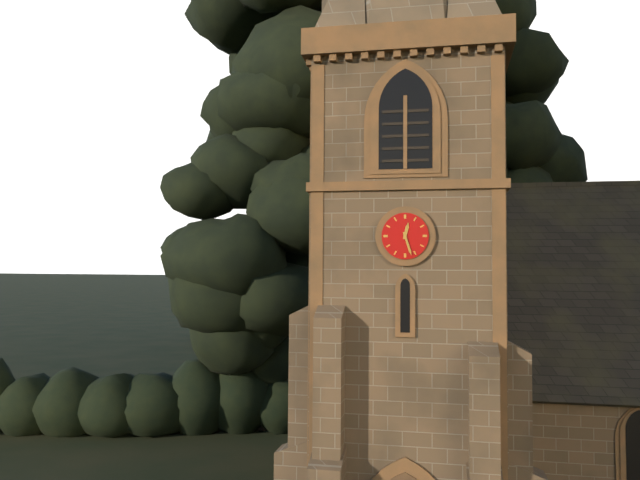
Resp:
**12:27**
